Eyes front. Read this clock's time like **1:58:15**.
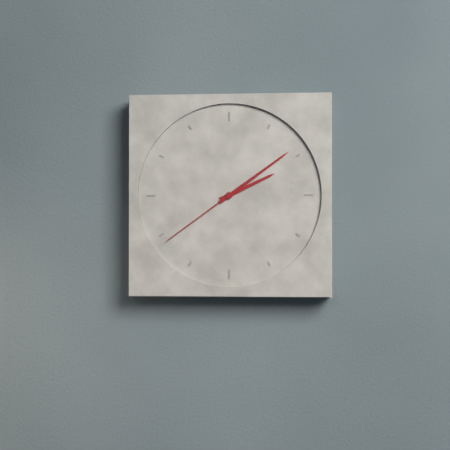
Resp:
**2:09:39**
